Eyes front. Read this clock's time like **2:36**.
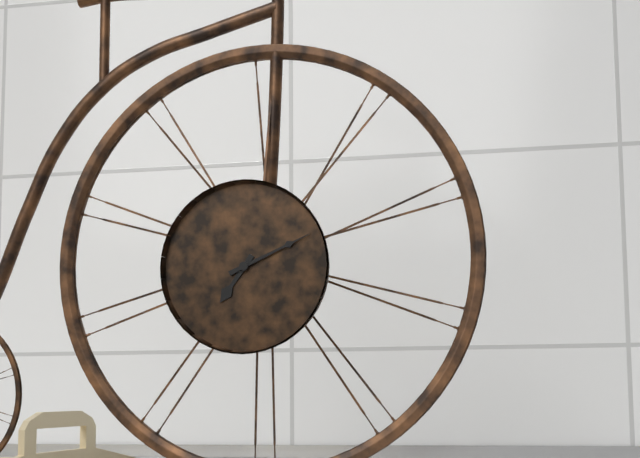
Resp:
**7:11**
